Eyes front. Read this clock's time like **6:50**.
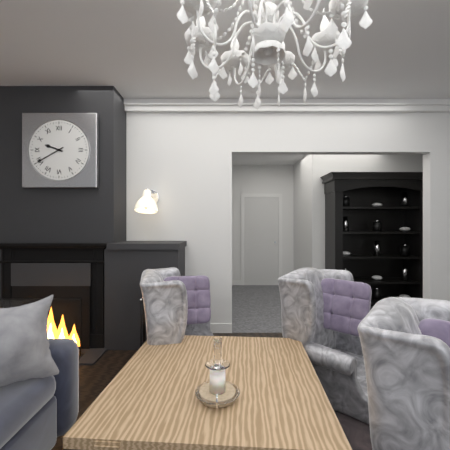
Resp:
**9:40**
